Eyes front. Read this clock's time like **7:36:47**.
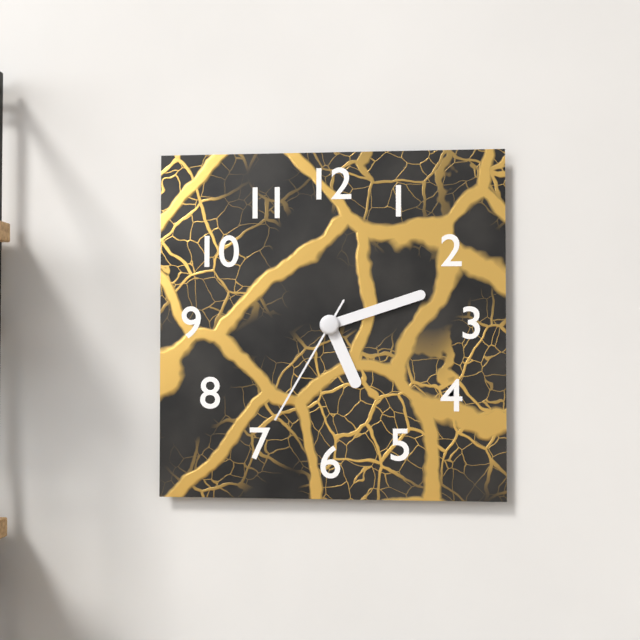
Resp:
**5:12:35**
